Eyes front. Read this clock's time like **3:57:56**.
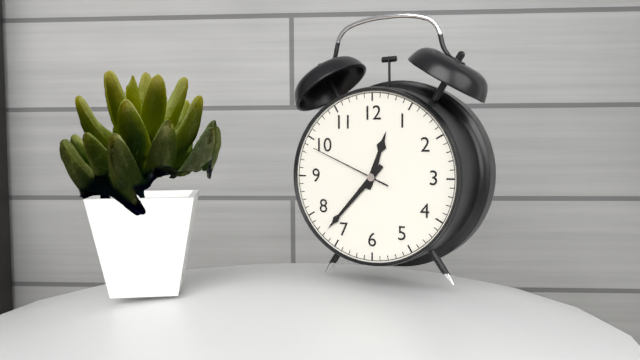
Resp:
**12:37:49**
